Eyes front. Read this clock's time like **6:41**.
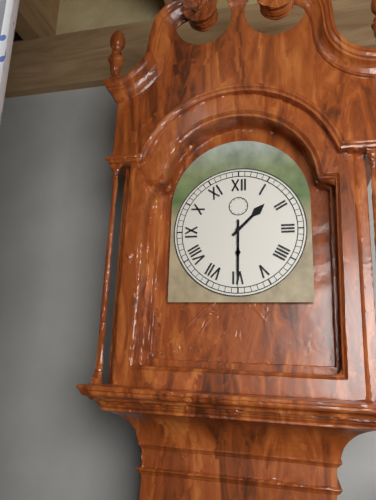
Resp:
**1:30**
